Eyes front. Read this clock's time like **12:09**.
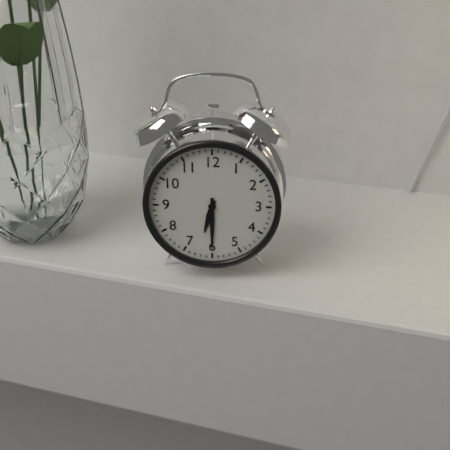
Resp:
**6:30**
